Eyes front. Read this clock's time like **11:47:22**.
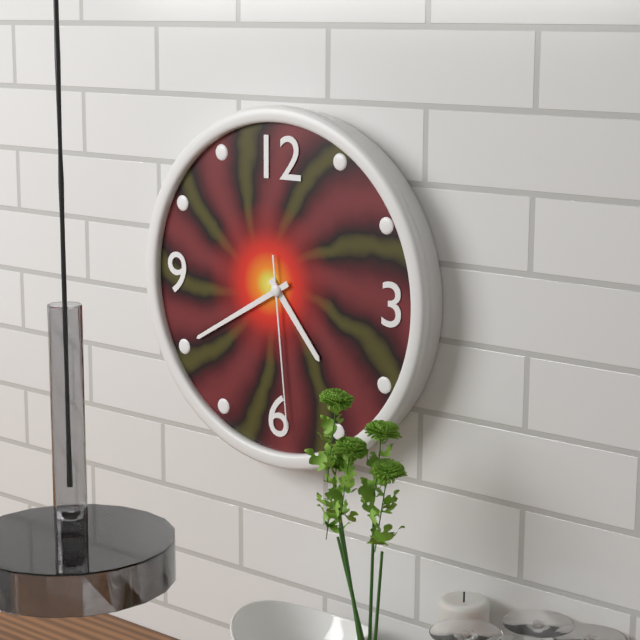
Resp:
**4:40:29**
